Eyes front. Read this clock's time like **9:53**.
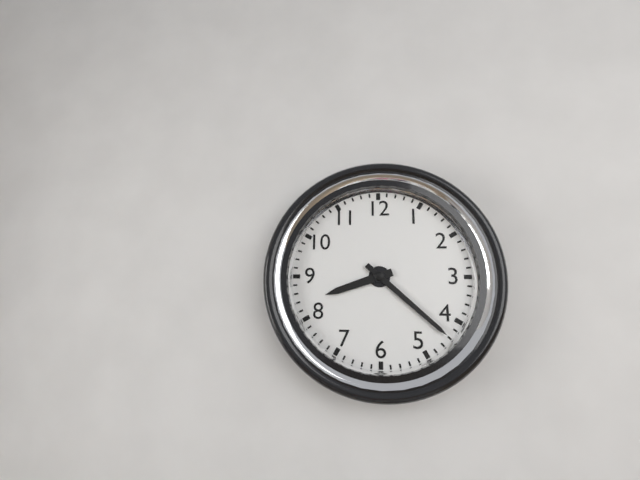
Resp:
**8:22**
